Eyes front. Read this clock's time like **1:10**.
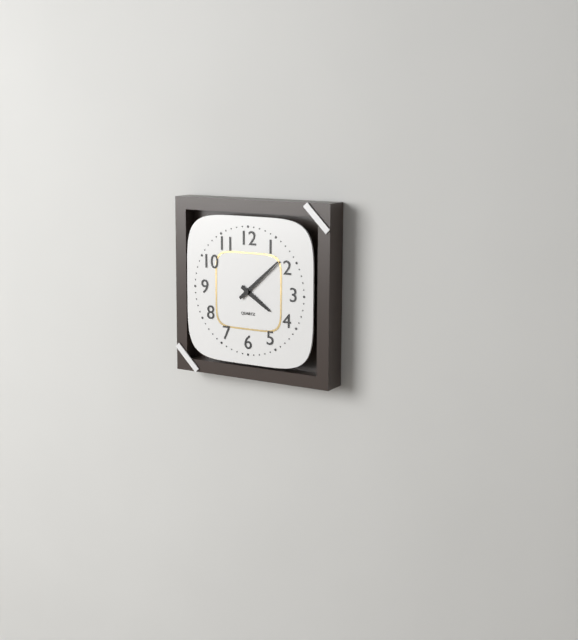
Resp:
**4:08**
